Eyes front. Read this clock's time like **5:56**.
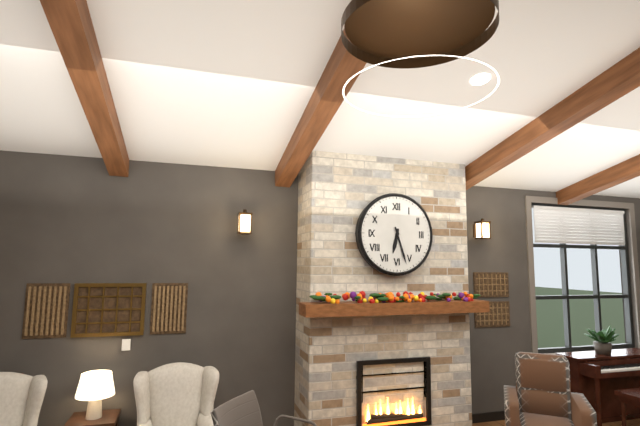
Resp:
**6:27**
